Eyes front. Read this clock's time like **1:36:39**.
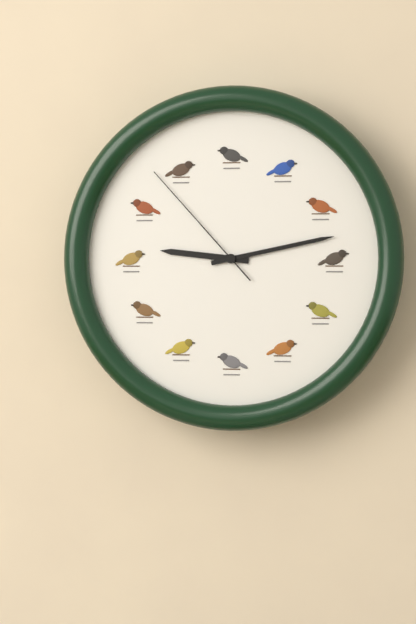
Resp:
**9:13:53**
